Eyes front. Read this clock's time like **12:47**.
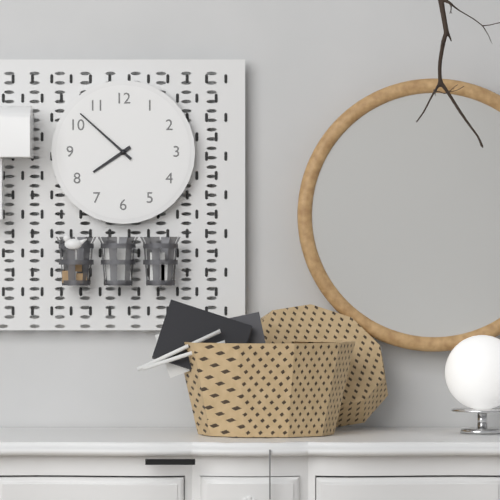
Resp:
**7:52**
